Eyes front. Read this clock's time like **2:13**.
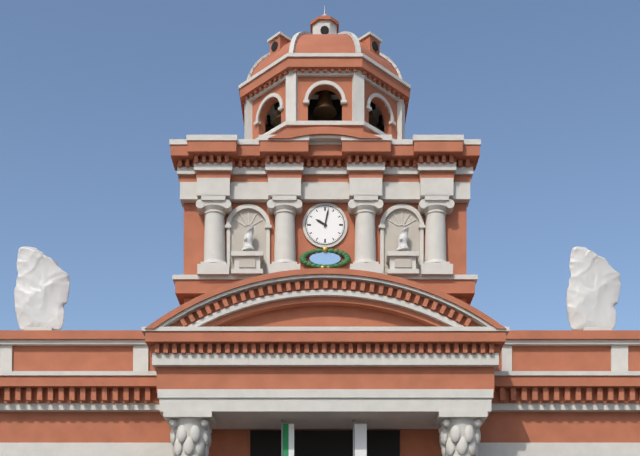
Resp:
**10:02**
